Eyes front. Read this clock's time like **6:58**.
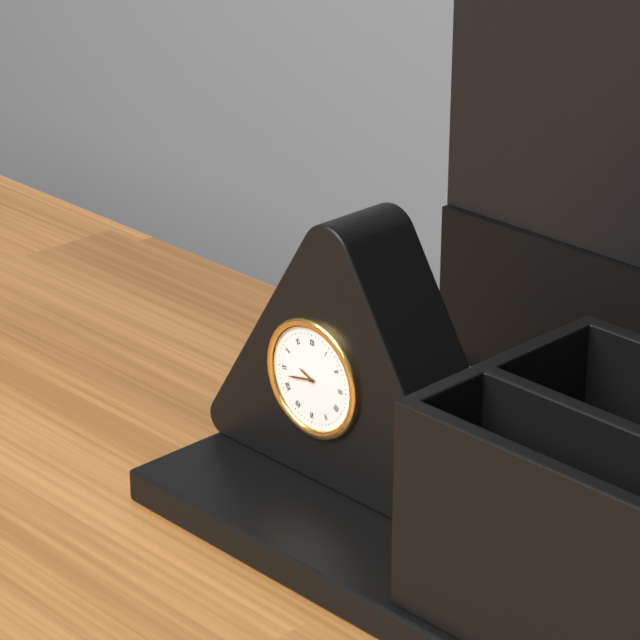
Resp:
**9:43**
